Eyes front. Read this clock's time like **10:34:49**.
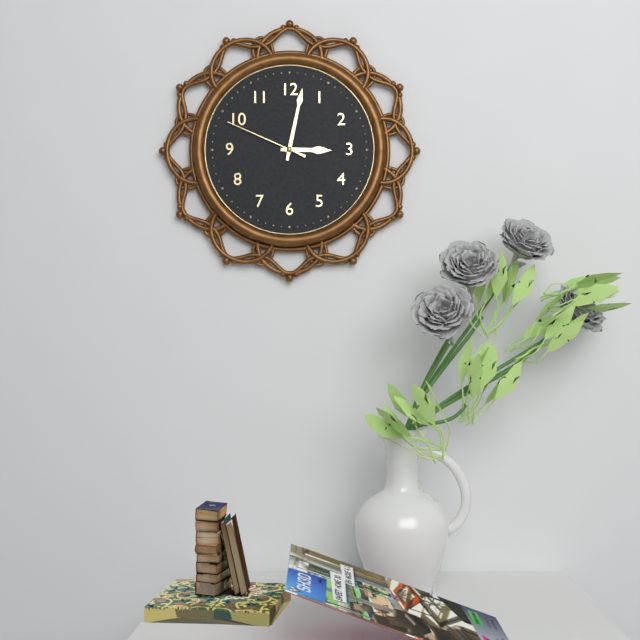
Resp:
**3:02:49**
